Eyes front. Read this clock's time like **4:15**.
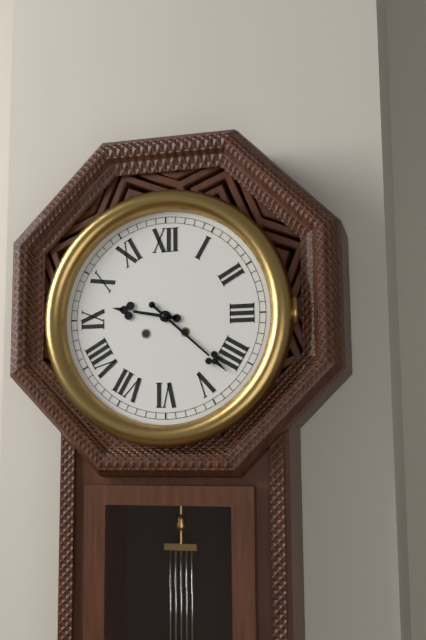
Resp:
**9:22**
